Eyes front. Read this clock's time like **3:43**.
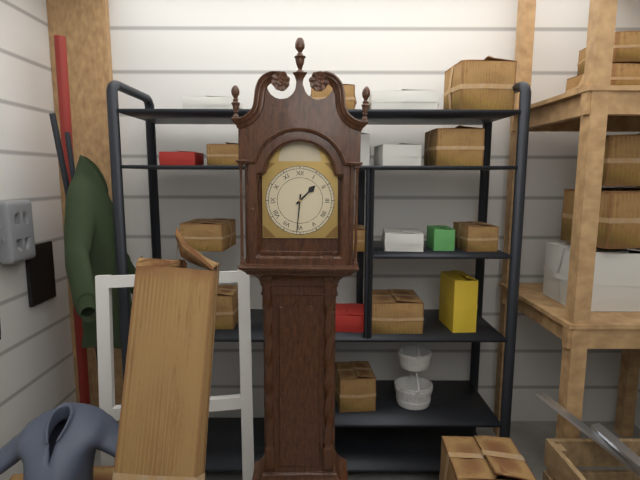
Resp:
**1:31**
